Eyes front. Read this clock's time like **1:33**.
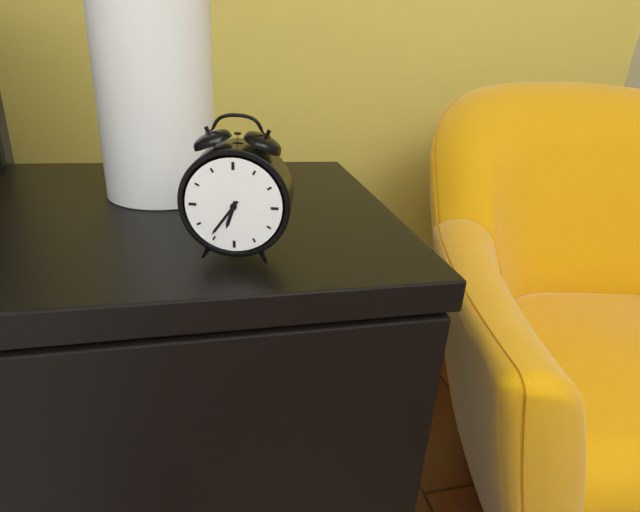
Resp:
**6:36**
